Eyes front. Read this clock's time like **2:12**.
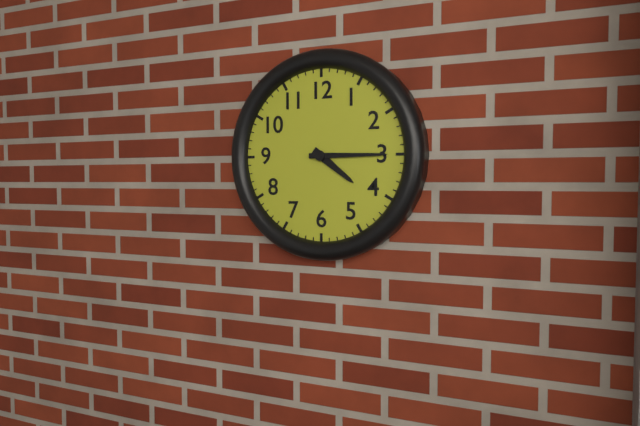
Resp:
**4:15**
